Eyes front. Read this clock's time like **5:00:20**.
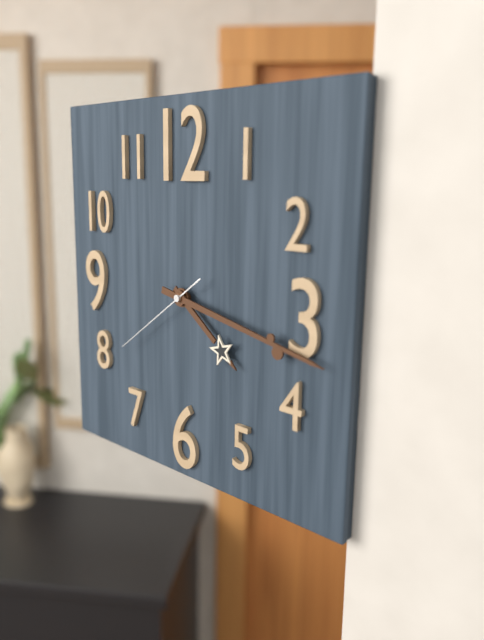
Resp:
**4:17:39**
